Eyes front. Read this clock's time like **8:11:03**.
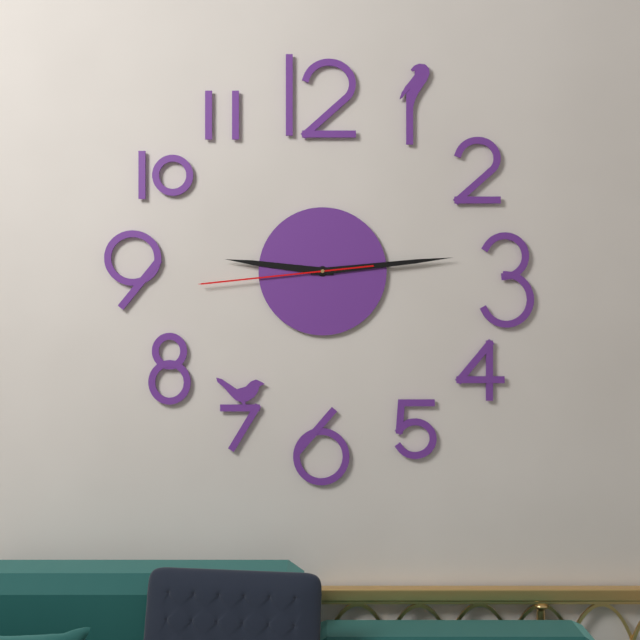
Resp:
**9:14:44**
